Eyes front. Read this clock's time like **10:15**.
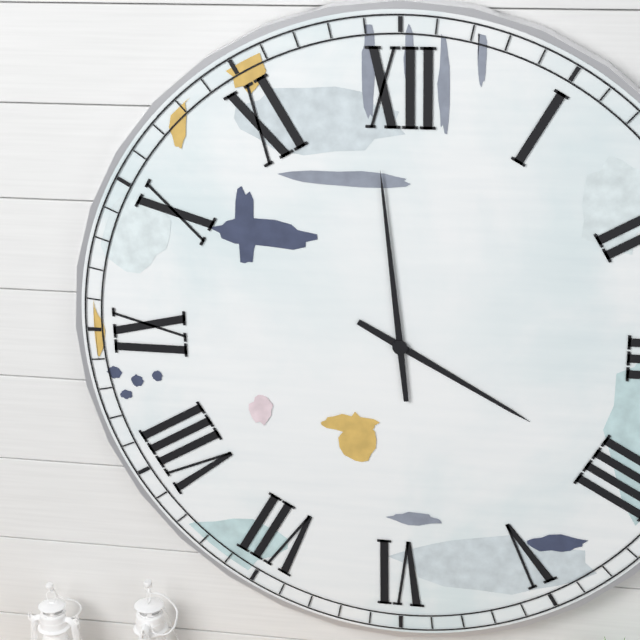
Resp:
**3:59**
